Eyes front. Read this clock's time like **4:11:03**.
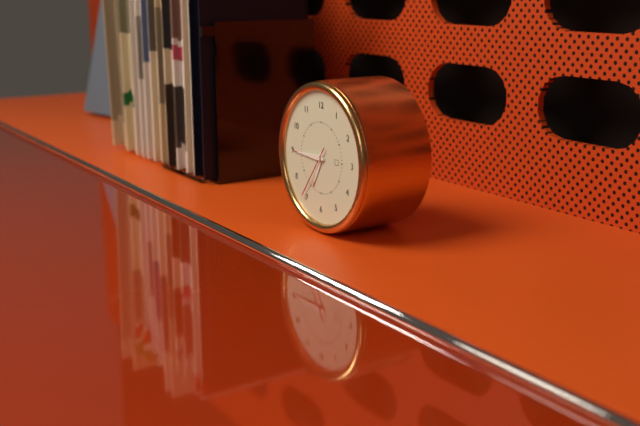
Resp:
**6:45:36**
